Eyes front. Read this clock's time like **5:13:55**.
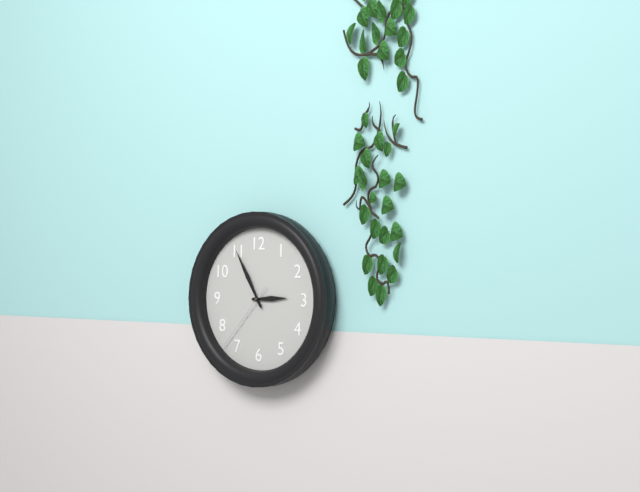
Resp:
**2:55:37**
